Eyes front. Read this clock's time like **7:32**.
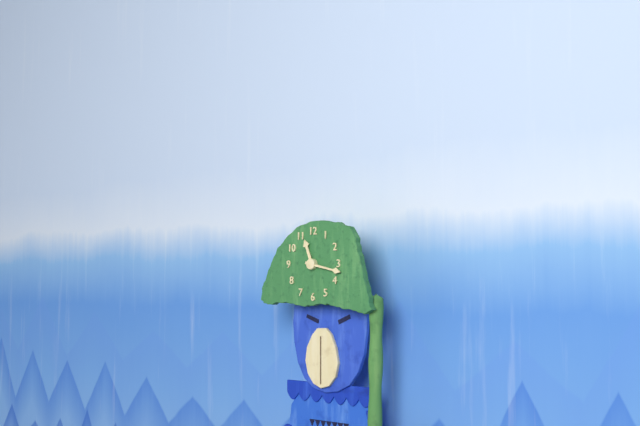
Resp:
**11:17**
